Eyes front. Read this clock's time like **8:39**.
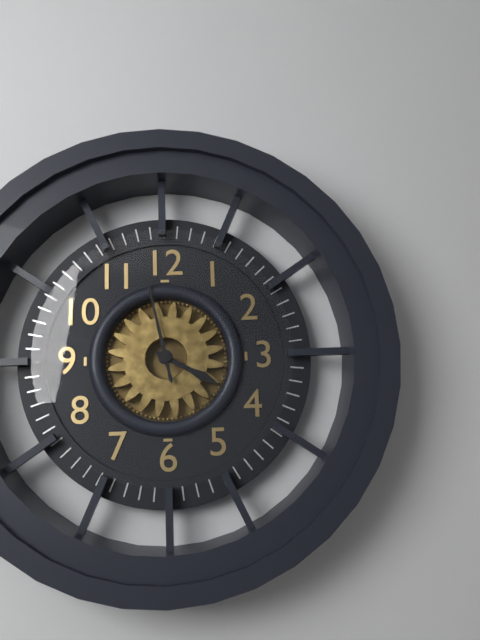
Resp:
**3:58**
